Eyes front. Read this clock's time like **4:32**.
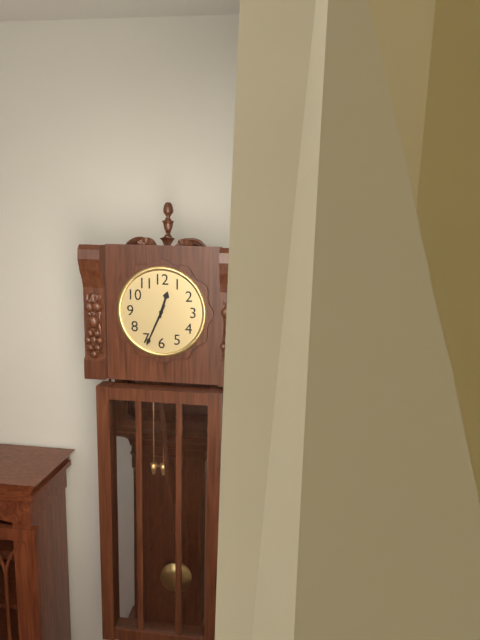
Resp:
**12:34**
